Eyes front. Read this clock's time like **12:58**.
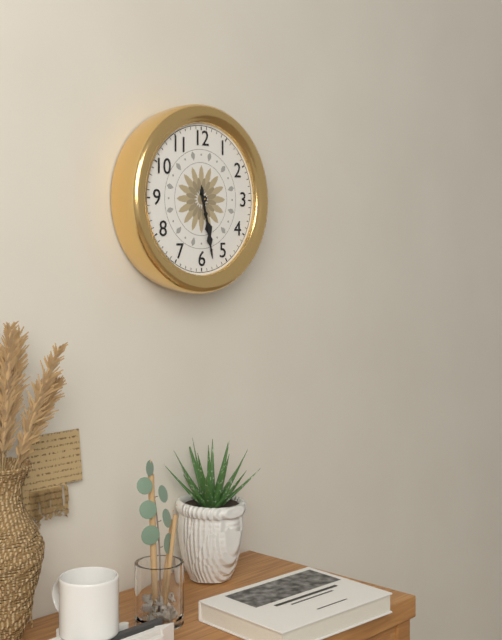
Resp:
**5:28**
